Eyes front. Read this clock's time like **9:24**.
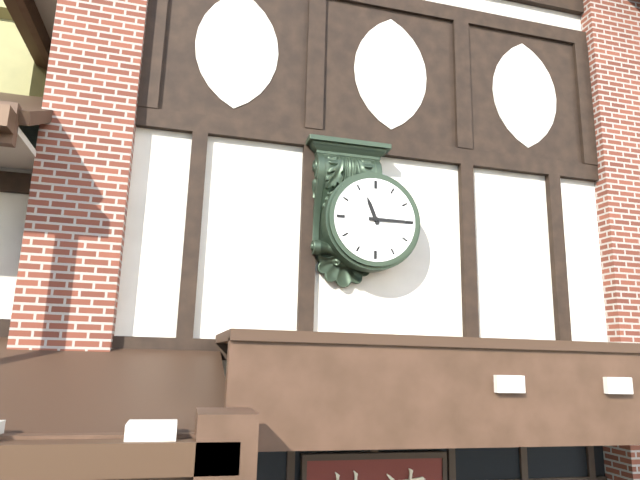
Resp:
**11:15**
